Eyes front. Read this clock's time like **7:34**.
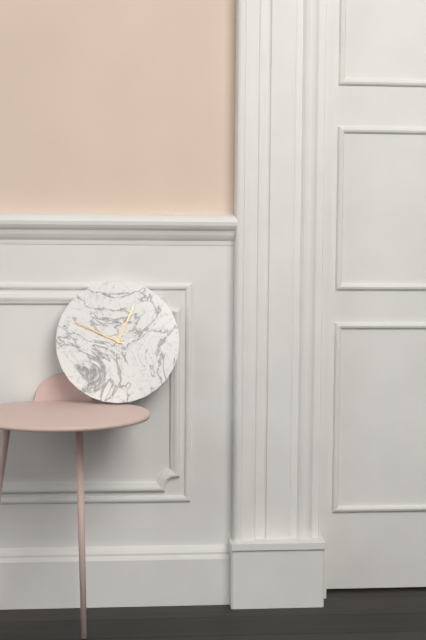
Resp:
**12:49**
